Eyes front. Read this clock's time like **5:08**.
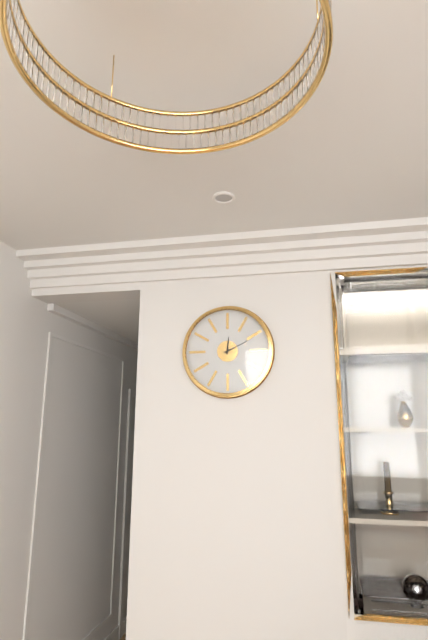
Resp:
**12:11**
